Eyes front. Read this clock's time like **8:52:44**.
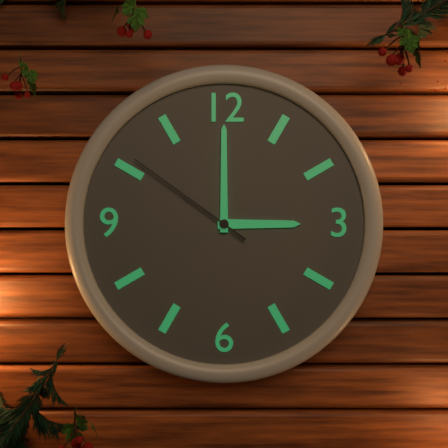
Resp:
**3:00:51**
